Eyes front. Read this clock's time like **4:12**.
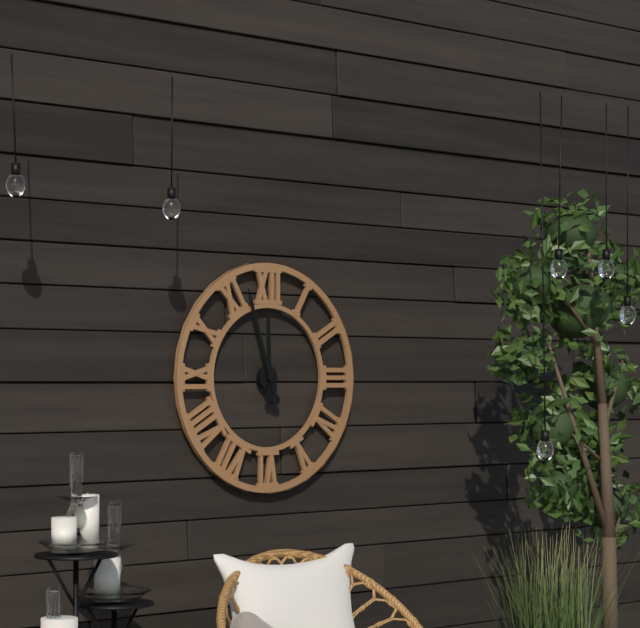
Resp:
**11:57**
